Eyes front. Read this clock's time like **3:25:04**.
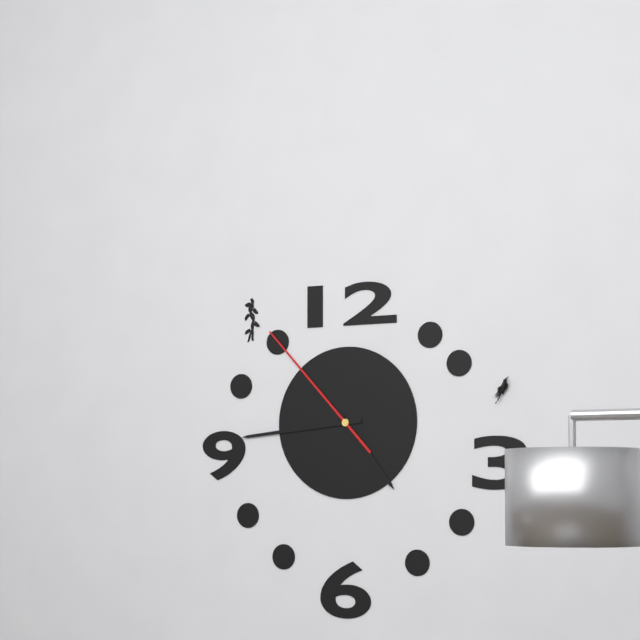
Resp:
**4:44:53**
